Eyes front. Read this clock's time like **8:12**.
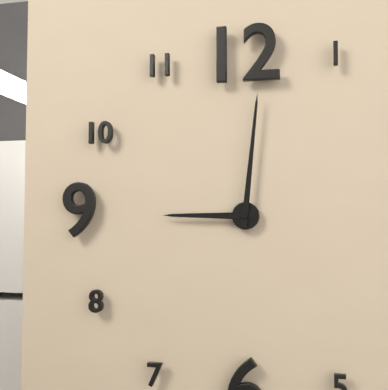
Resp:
**9:01**
